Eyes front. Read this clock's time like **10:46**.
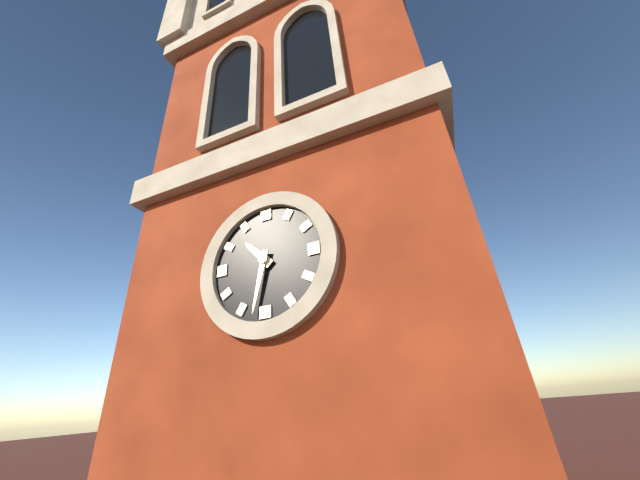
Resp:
**10:32**
